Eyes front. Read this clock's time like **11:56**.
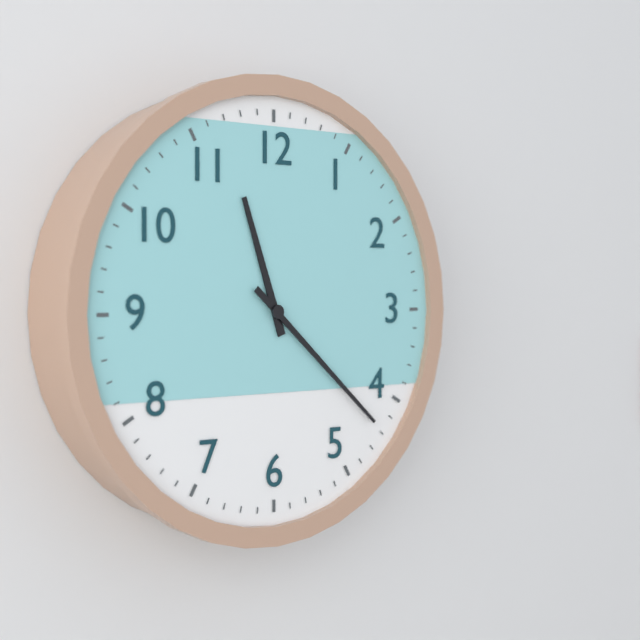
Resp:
**11:22**
